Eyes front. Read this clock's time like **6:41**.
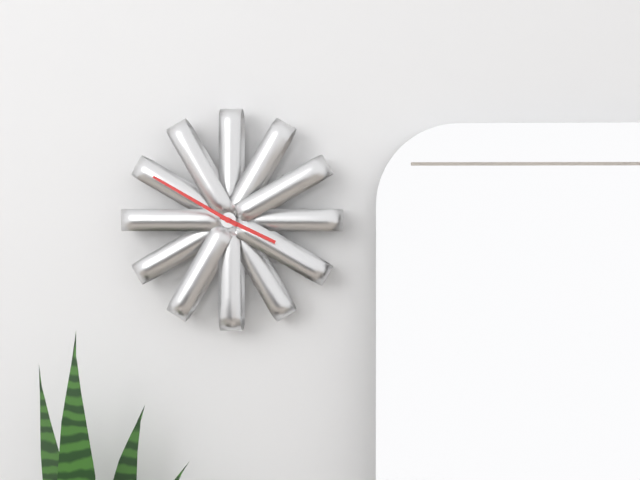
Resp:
**3:50**
